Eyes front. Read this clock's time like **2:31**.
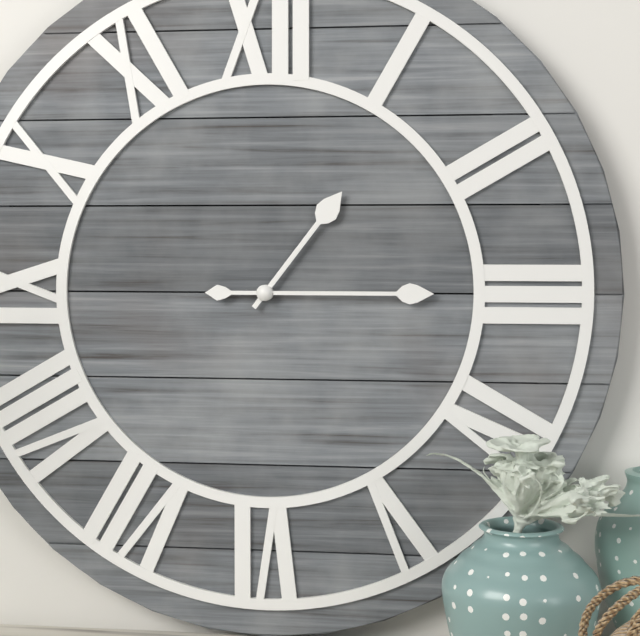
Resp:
**1:15**
